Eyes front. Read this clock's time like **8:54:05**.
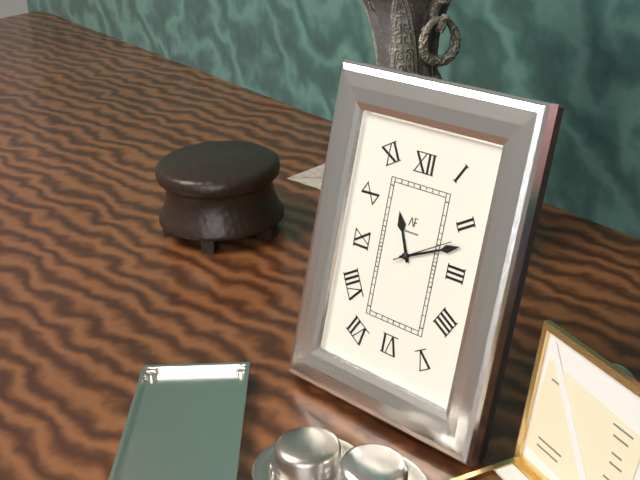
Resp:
**11:11:10**
